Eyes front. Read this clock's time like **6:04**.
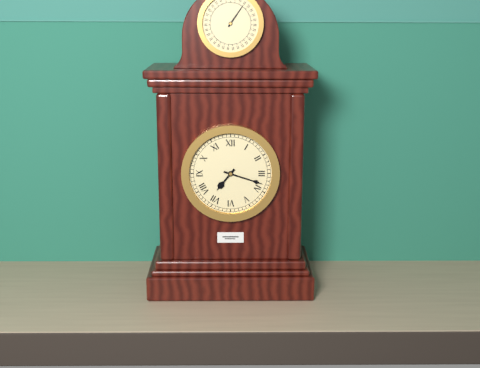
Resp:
**7:18**
